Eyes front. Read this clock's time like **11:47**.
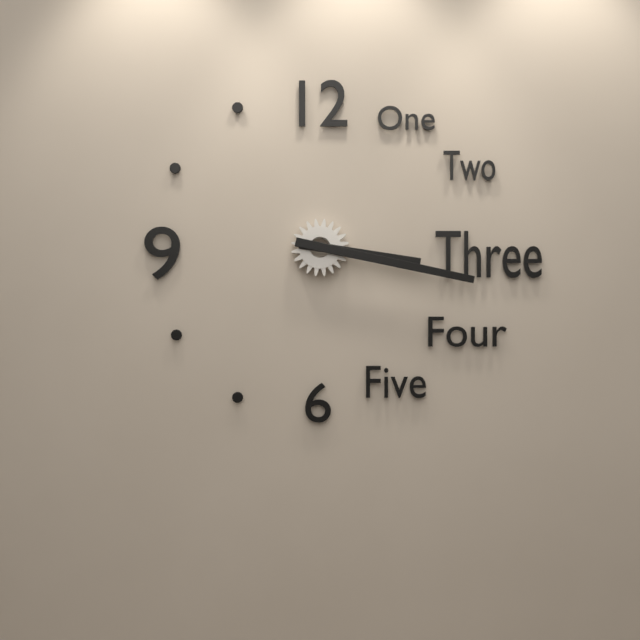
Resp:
**3:17**
